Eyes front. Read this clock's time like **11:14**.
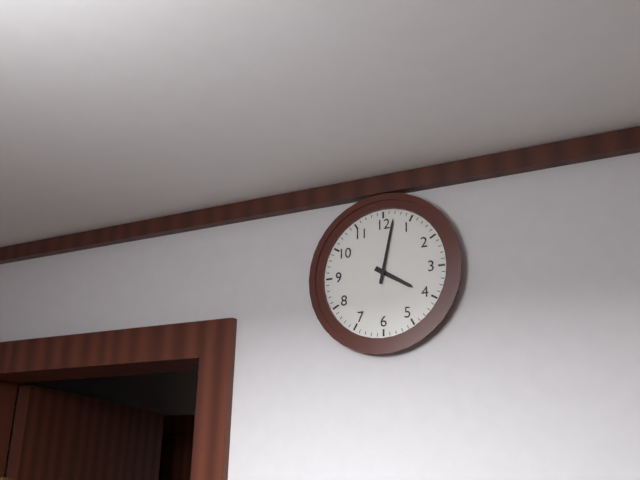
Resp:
**4:02**
